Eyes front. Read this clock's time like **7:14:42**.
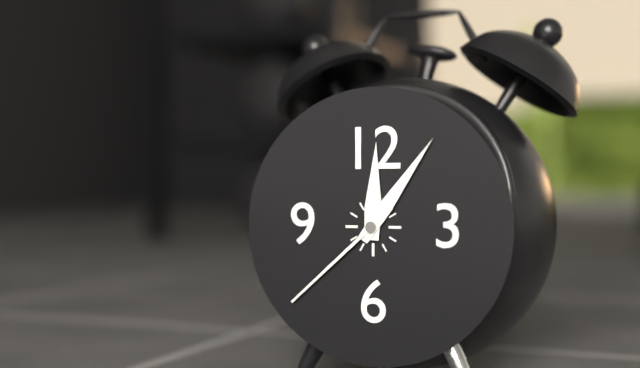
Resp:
**12:06:38**
